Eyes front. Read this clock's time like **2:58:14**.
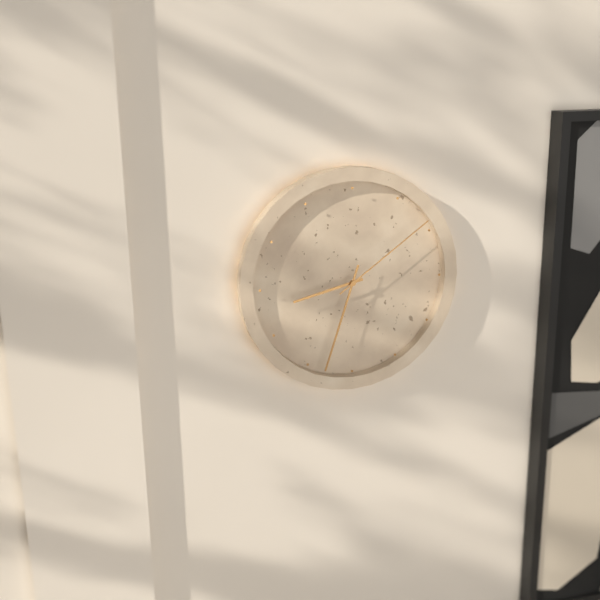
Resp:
**8:33:09**
